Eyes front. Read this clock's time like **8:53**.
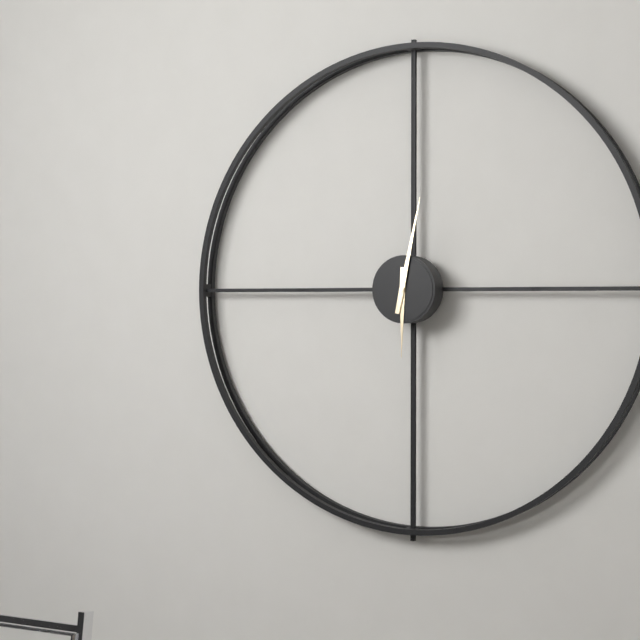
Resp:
**6:02**
